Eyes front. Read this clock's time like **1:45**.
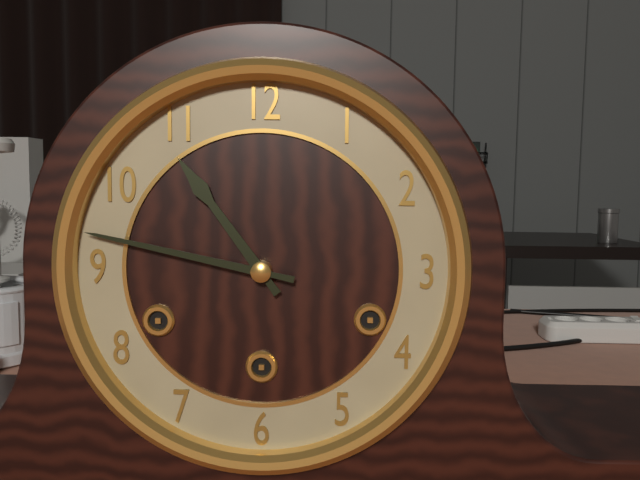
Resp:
**10:47**
